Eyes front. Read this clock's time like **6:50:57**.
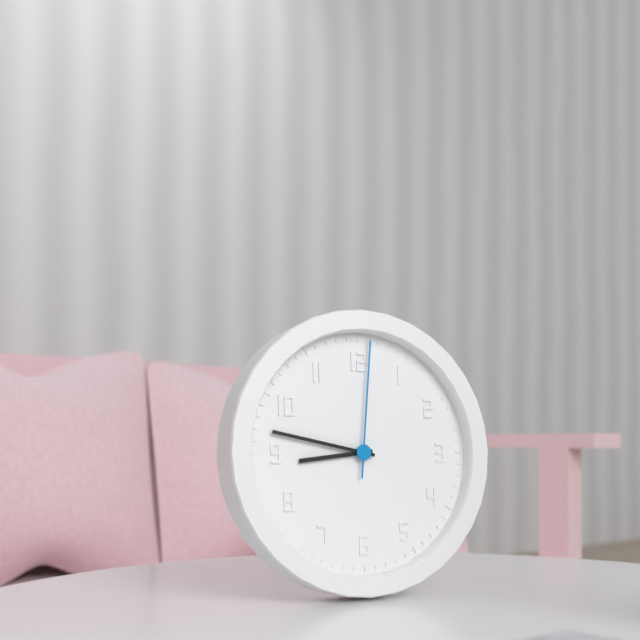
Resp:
**8:47:01**
